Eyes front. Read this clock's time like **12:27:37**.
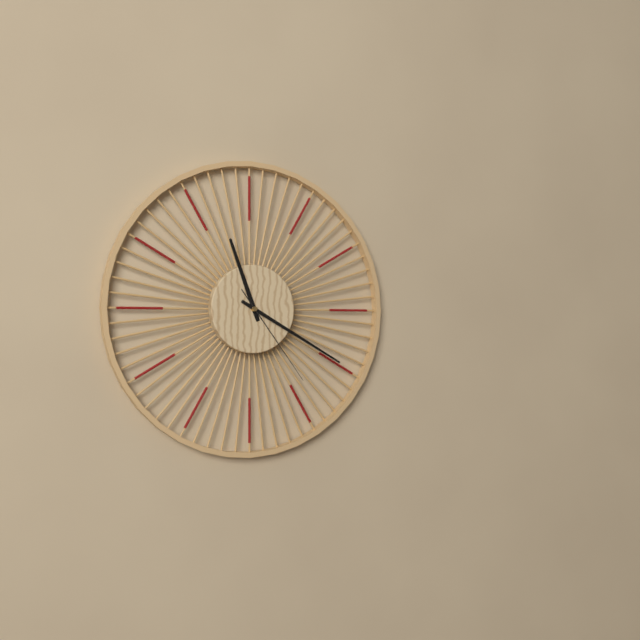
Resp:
**11:20:24**
